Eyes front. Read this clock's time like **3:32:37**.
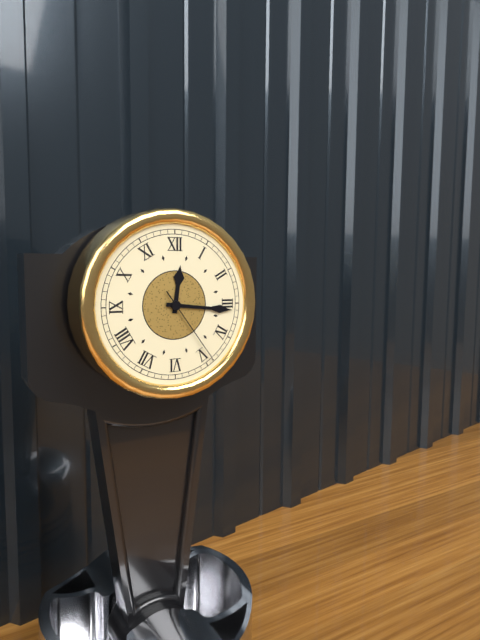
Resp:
**12:16:24**
